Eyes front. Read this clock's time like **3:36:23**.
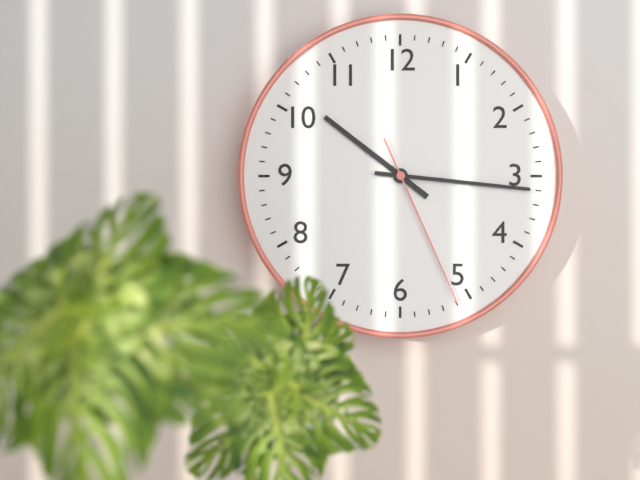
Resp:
**10:16:26**
